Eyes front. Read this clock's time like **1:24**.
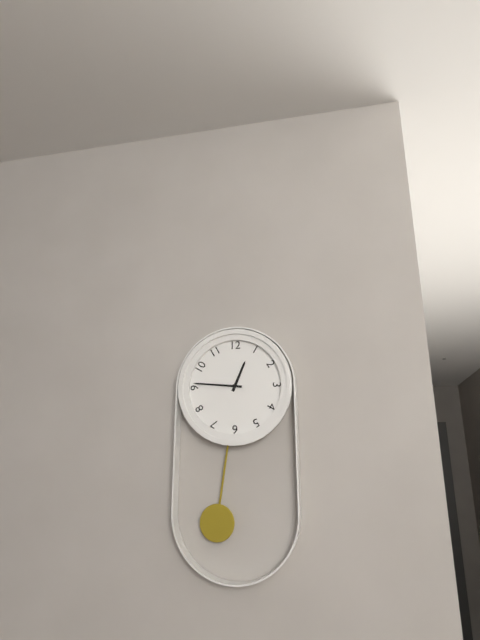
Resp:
**12:46**
